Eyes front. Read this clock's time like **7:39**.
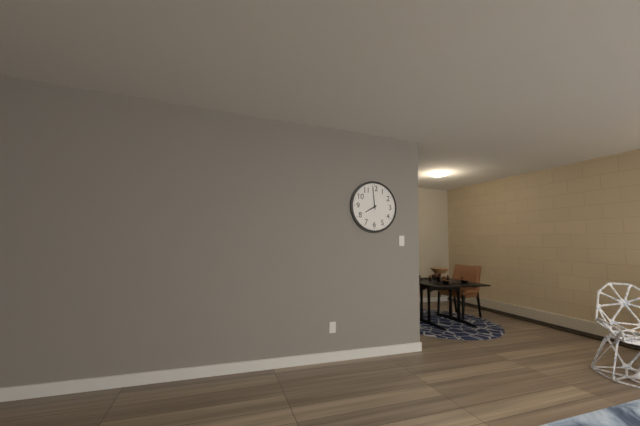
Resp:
**7:59**
